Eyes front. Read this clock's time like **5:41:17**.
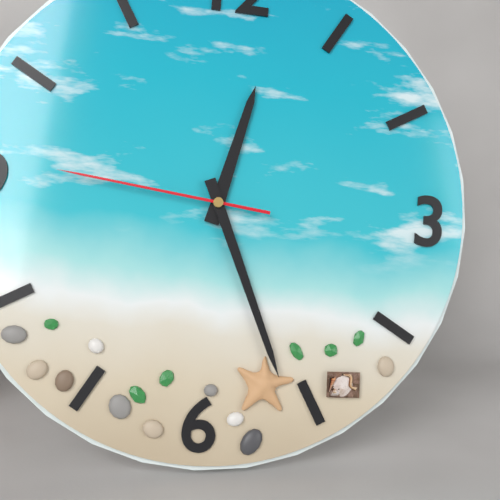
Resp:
**12:26:46**
